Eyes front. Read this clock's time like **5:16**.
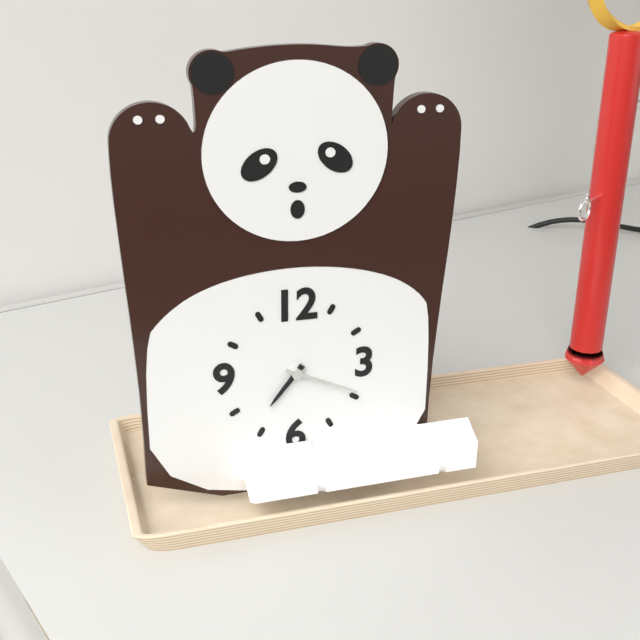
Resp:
**7:19**
